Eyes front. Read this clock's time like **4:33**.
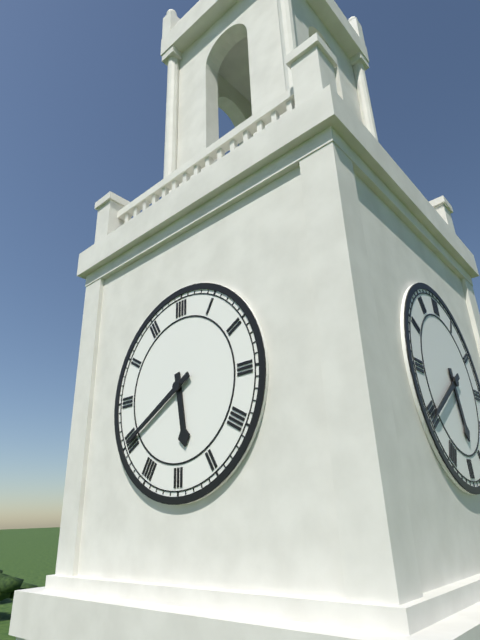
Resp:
**5:40**
